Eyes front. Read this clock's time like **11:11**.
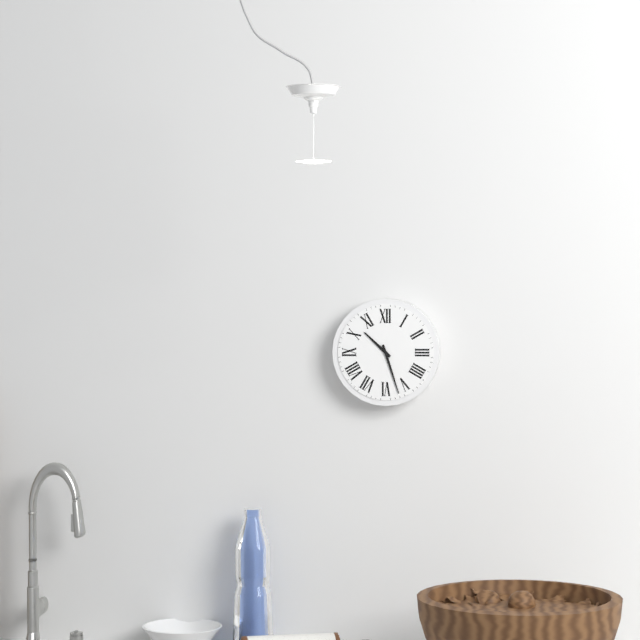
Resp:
**10:27**
